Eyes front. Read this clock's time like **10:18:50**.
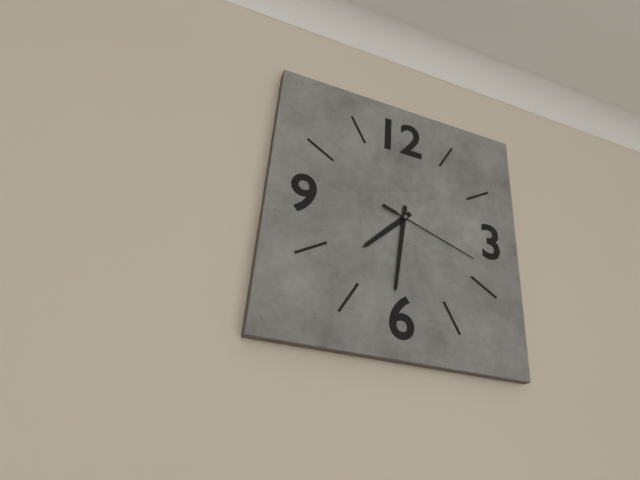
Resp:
**7:31:18**
